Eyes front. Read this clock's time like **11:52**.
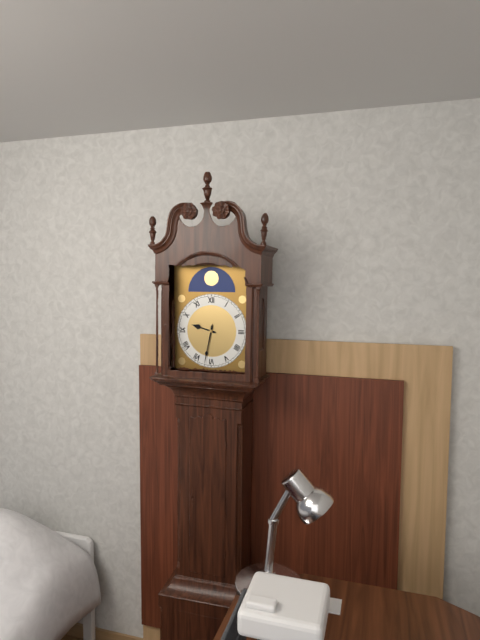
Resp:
**9:32**
